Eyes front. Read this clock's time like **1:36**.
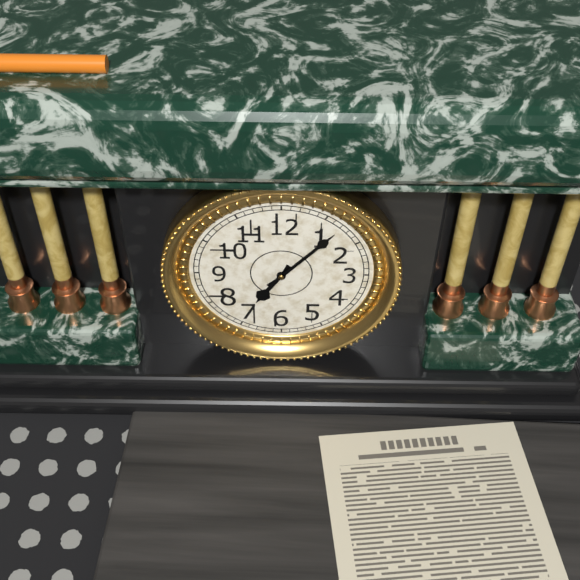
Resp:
**7:07**
